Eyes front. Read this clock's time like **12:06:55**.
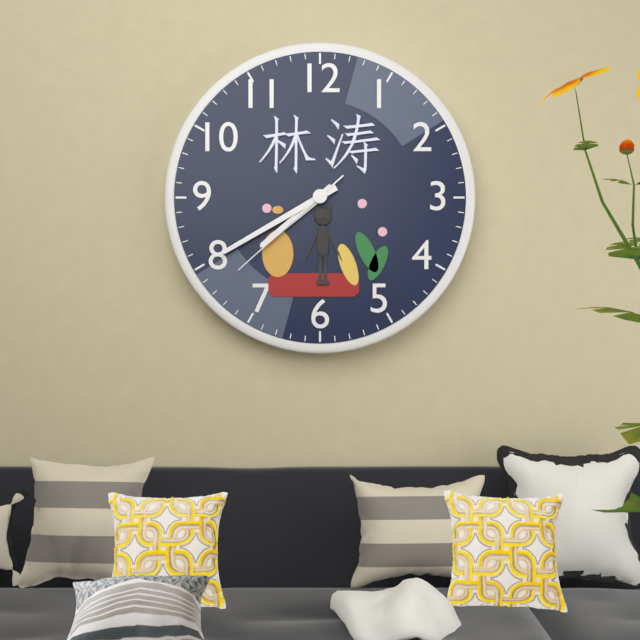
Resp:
**7:40:38**
